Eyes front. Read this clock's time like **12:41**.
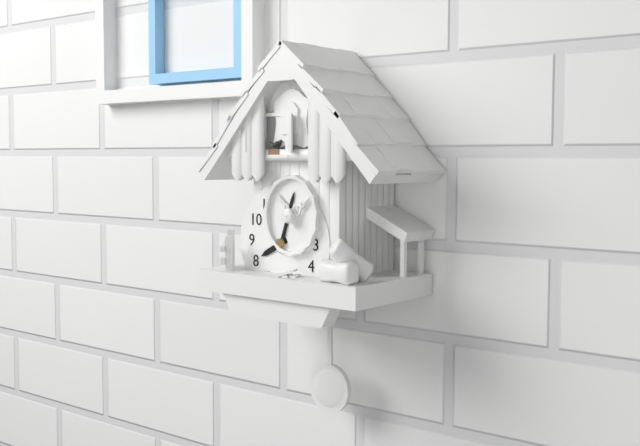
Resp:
**8:03**
